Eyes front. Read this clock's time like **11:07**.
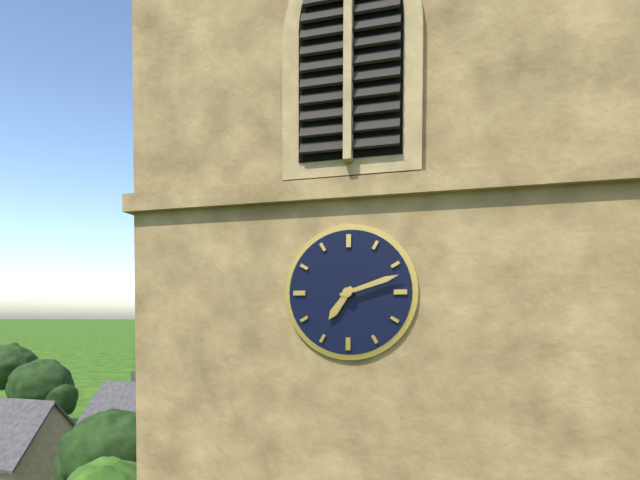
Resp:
**7:12**
